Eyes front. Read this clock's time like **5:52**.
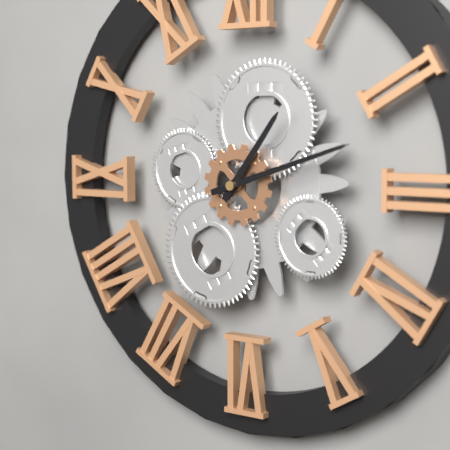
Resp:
**1:12**
